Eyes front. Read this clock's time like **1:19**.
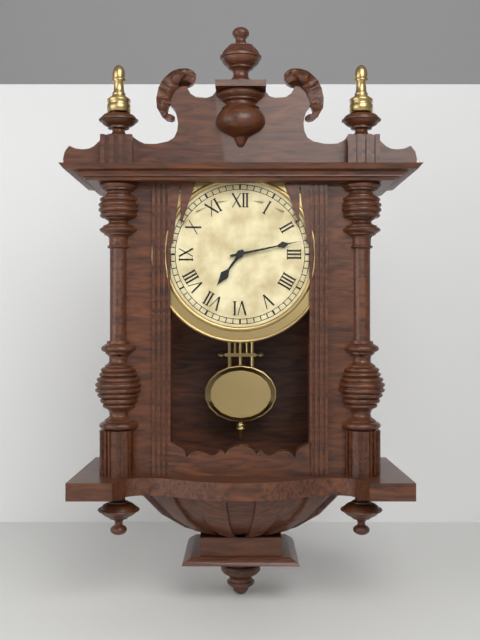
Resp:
**7:13**
